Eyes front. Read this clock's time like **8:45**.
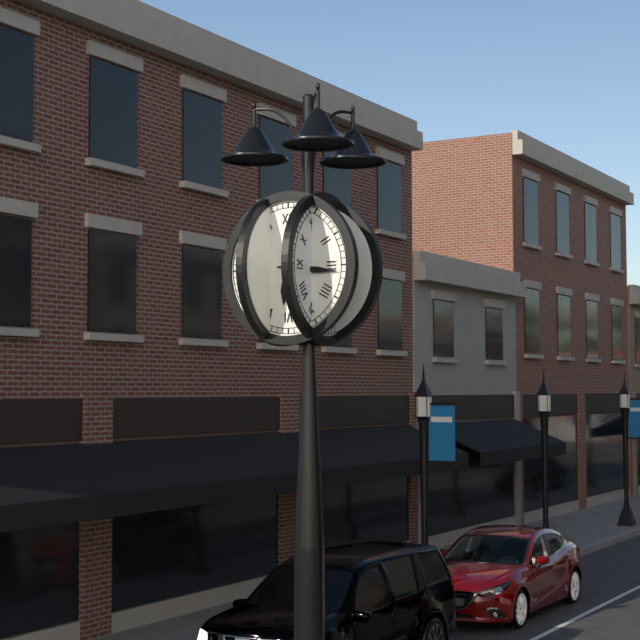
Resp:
**6:16**
